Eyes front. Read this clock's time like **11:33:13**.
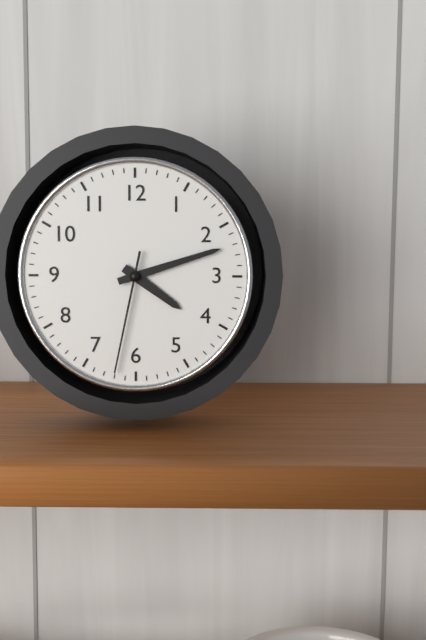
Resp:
**4:12:32**
